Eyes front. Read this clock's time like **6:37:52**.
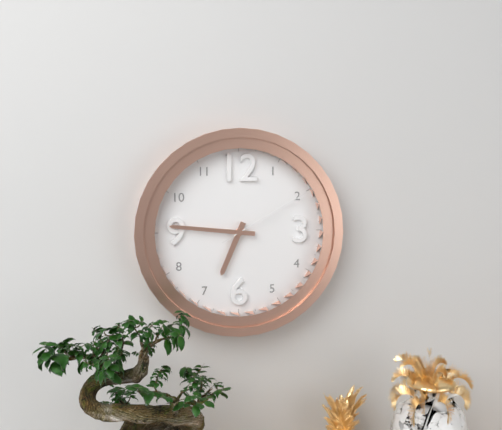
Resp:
**6:46:10**
